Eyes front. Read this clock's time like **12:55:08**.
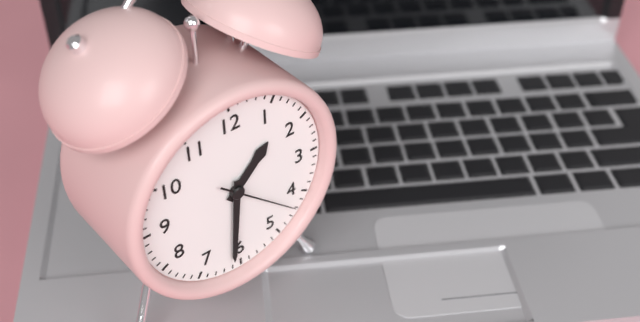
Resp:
**1:31:22**
